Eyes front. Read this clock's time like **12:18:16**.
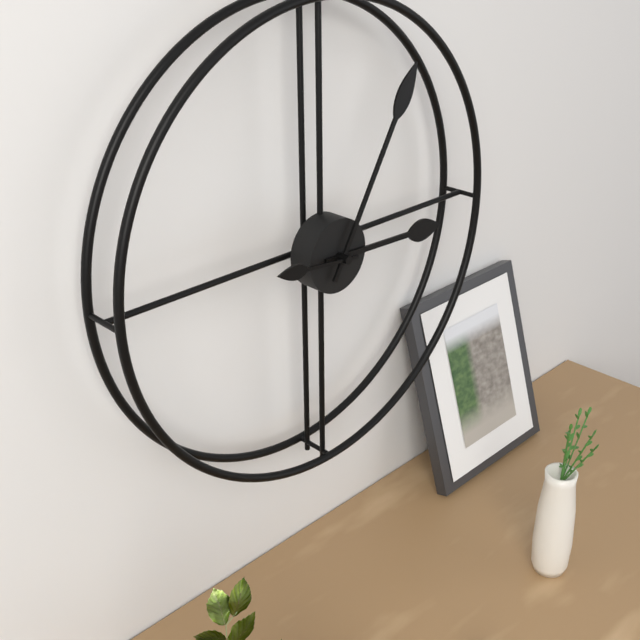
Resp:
**3:05:46**
